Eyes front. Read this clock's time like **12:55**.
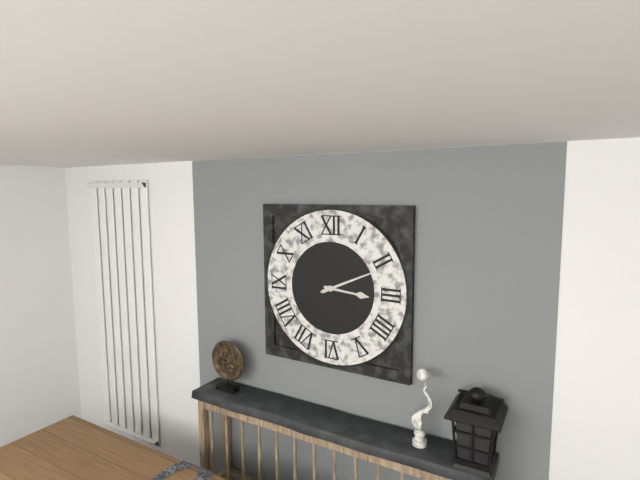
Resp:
**3:11**
